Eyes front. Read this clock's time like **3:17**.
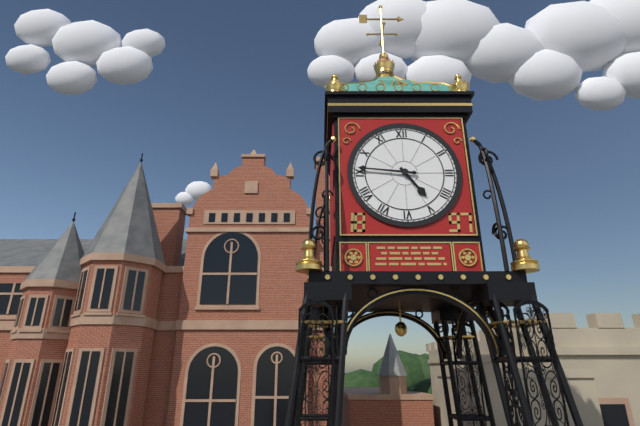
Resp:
**4:46**
